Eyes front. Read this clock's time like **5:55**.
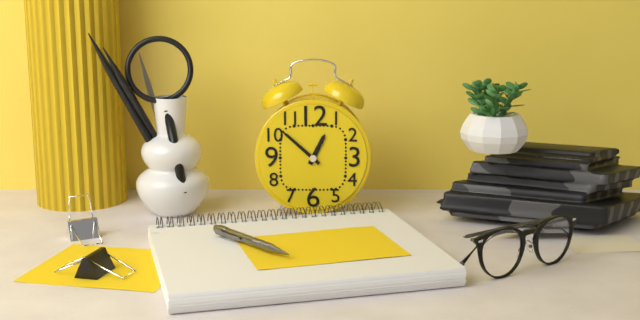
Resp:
**12:52**
